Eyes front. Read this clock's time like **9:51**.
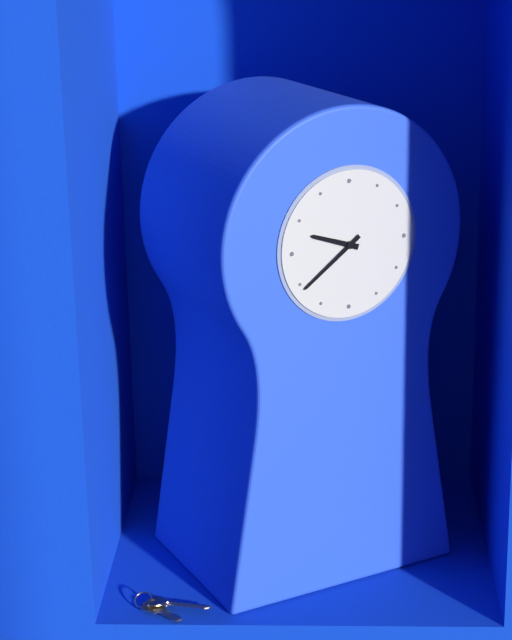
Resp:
**9:39**
